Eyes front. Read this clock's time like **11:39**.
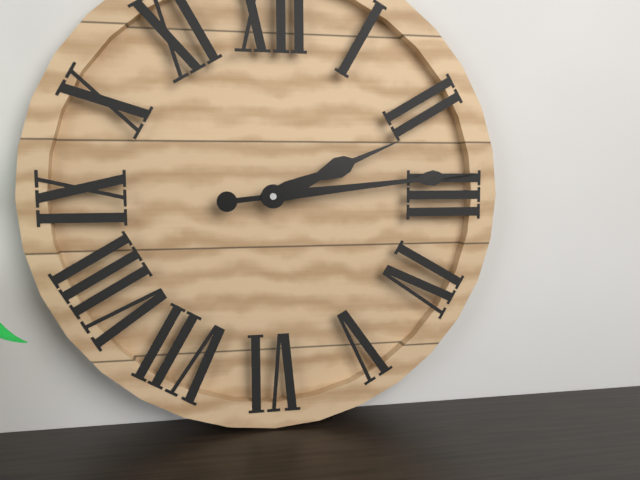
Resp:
**2:14**
